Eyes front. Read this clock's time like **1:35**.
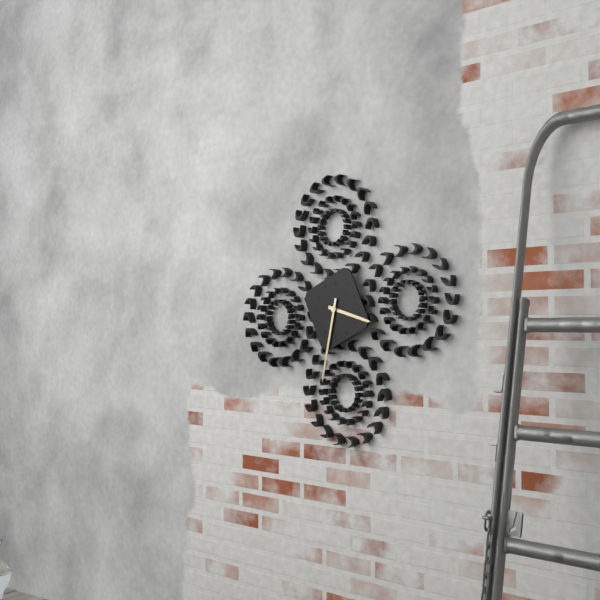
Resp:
**3:32**
